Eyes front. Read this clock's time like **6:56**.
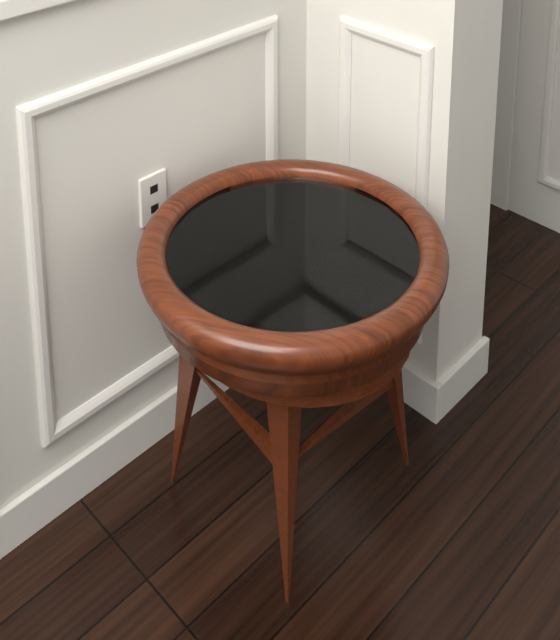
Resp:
**11:04**
